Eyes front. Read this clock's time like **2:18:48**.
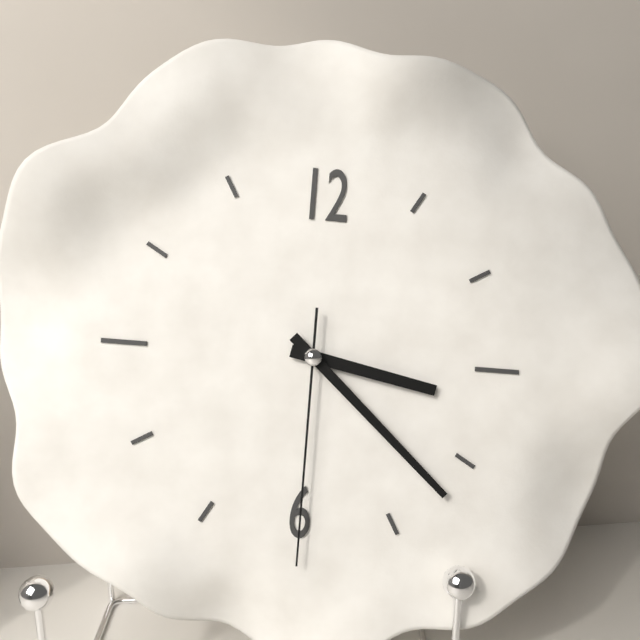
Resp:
**3:22:30**
